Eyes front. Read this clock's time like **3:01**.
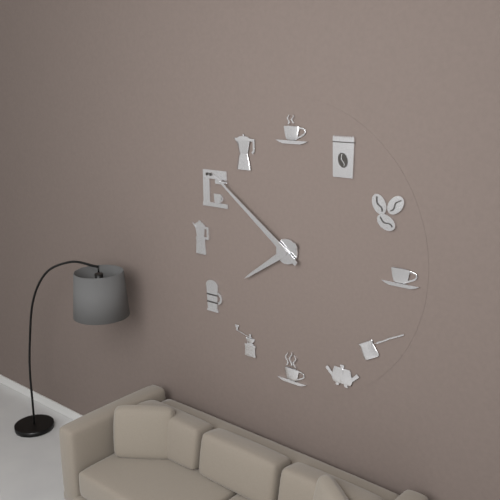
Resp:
**7:51**
